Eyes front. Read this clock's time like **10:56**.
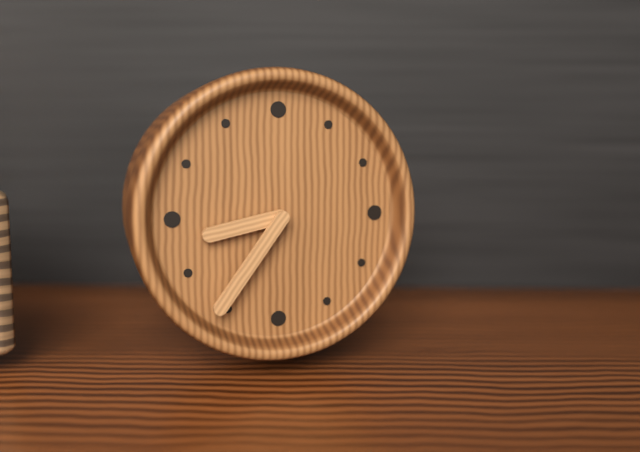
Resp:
**8:36**
